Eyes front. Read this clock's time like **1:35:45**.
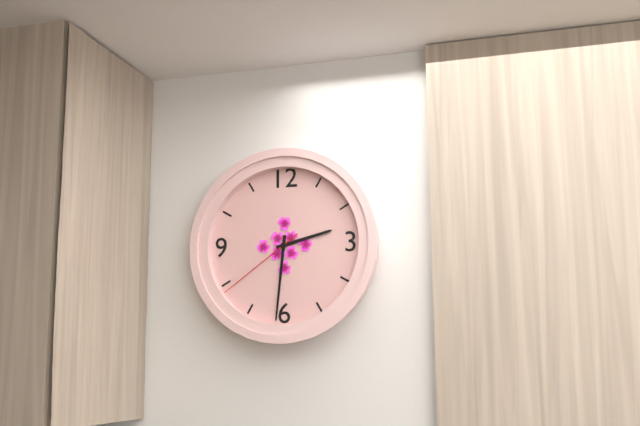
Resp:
**2:31:39**
